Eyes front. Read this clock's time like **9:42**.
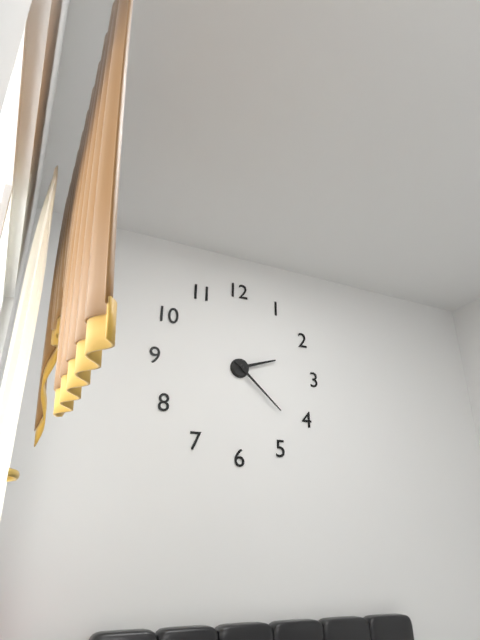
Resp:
**2:22**
